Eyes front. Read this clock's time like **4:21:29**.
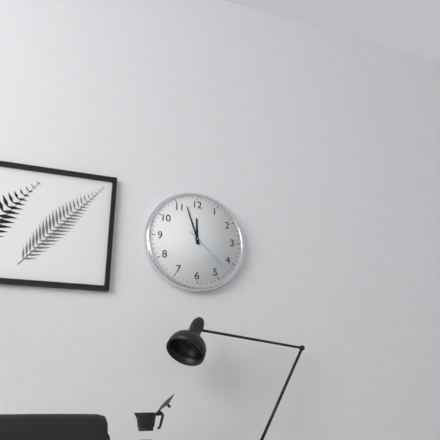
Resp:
**11:57:22**
